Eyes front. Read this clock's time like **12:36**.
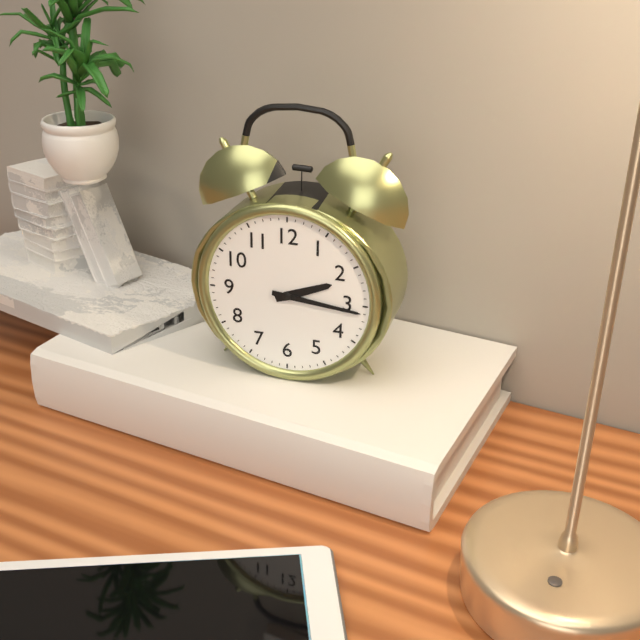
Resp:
**2:16**
